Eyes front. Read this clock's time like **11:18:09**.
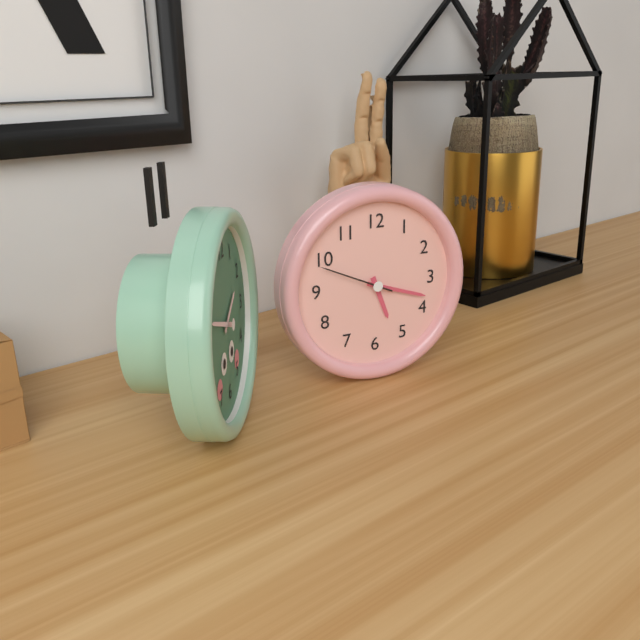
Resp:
**5:18:49**
